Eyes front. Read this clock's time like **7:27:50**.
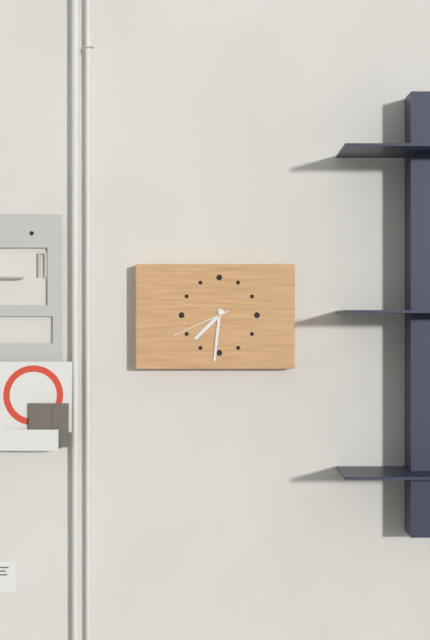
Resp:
**7:31:41**
